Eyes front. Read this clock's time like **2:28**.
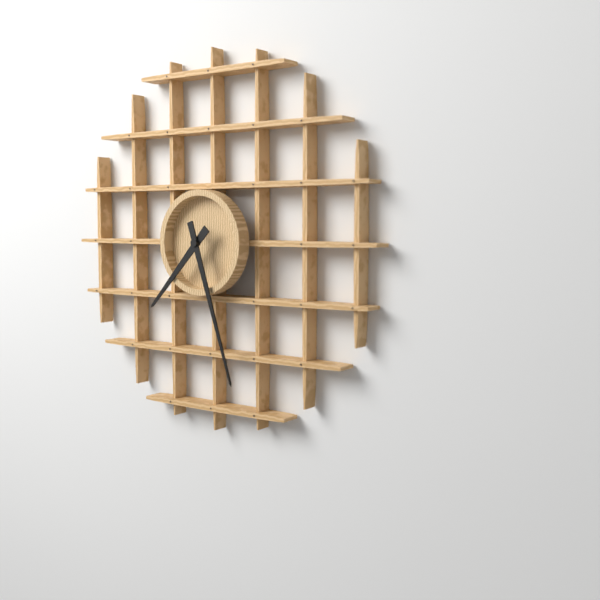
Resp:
**7:27**
